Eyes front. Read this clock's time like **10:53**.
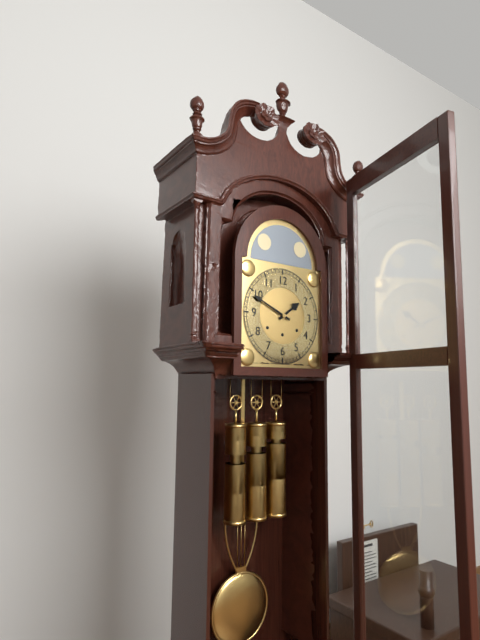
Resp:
**1:49**
